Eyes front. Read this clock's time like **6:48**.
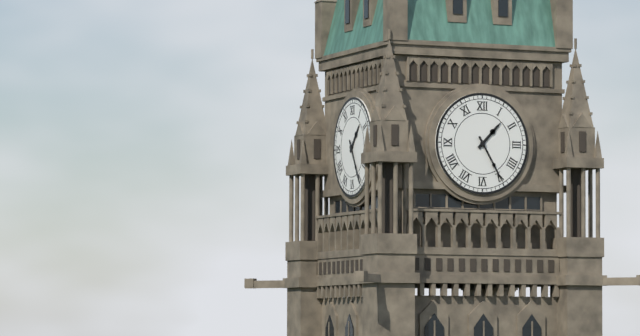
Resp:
**1:25**
